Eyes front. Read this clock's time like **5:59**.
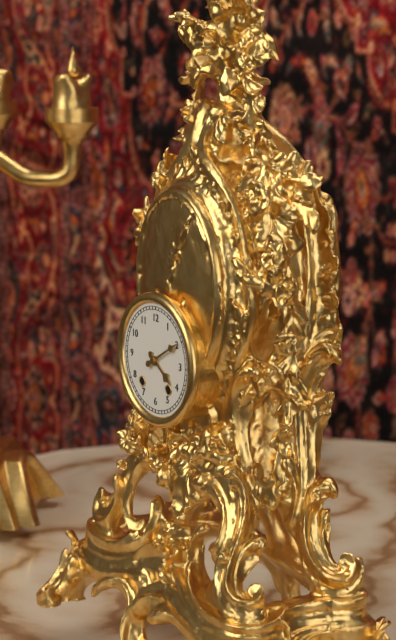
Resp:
**4:10**
